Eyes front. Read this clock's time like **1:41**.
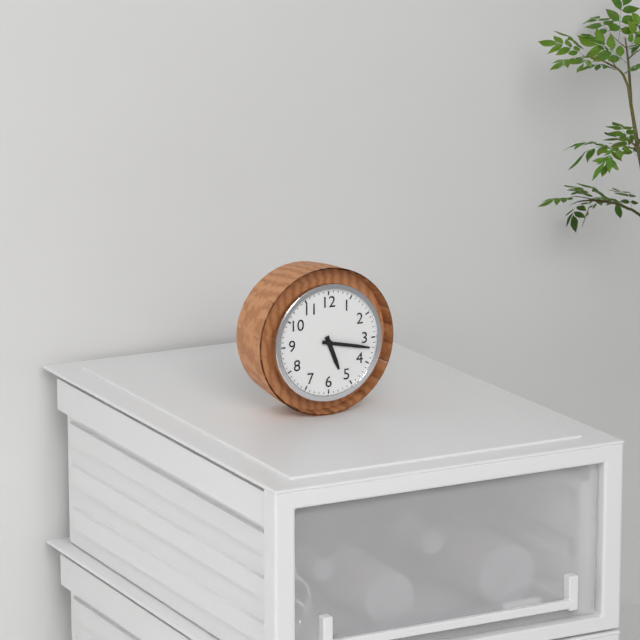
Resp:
**5:17**
